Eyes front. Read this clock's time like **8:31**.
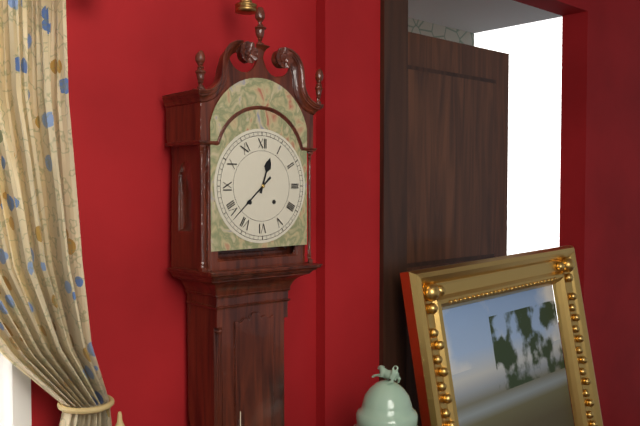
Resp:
**12:38**
